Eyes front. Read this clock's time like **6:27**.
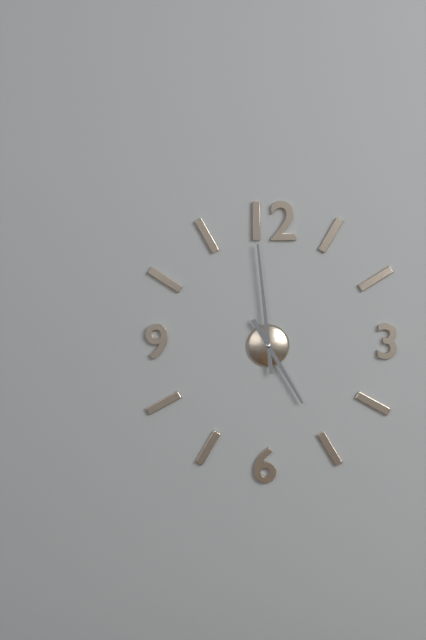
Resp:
**4:59**
